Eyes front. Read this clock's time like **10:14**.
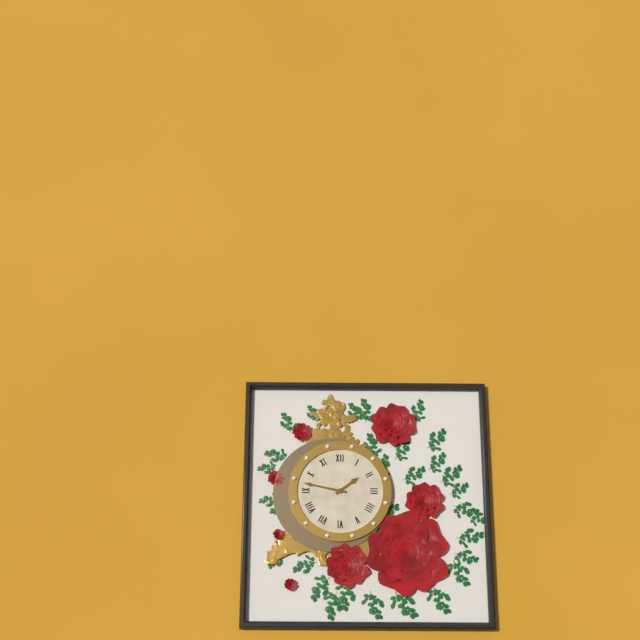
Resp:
**1:47**
